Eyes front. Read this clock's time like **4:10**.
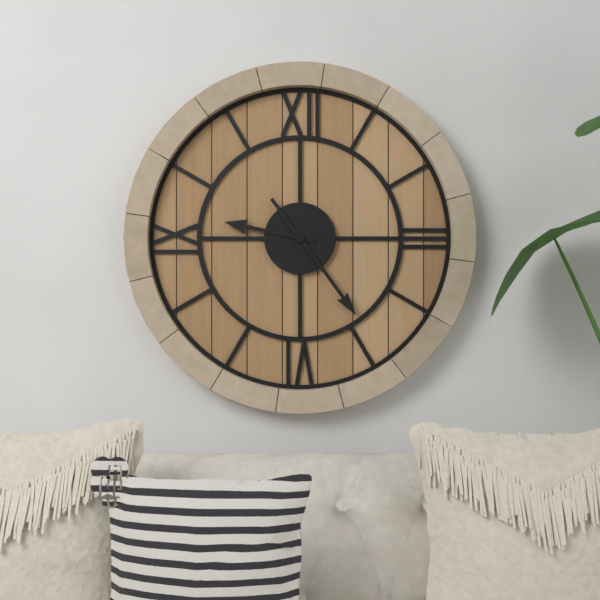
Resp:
**9:24**
